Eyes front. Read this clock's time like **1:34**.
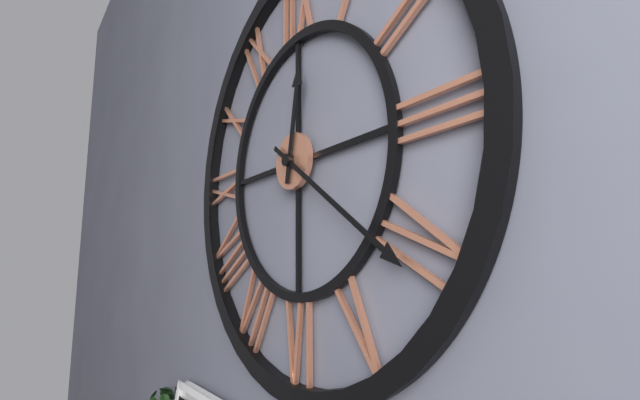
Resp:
**12:21**
